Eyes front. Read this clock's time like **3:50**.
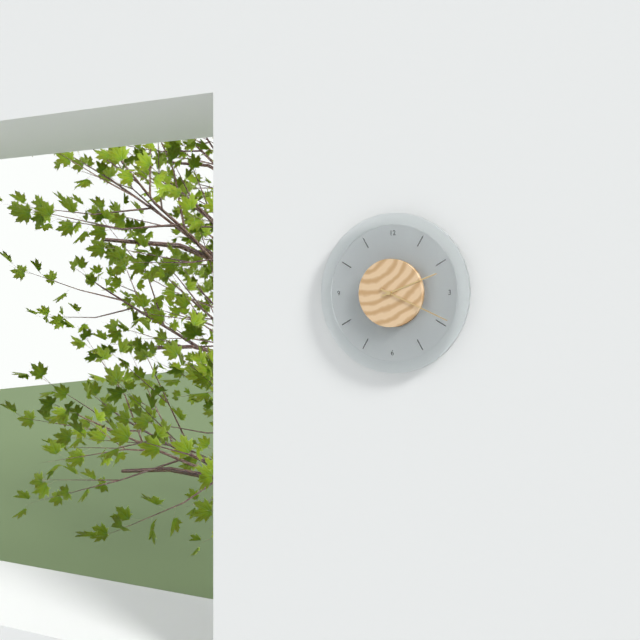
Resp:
**2:19**
